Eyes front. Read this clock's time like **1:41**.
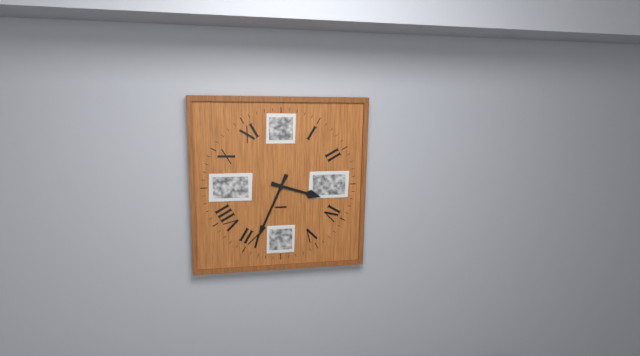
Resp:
**3:34**
